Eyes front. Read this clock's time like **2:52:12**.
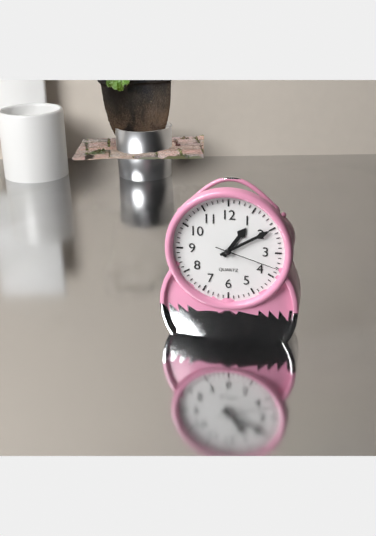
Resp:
**1:10:18**
